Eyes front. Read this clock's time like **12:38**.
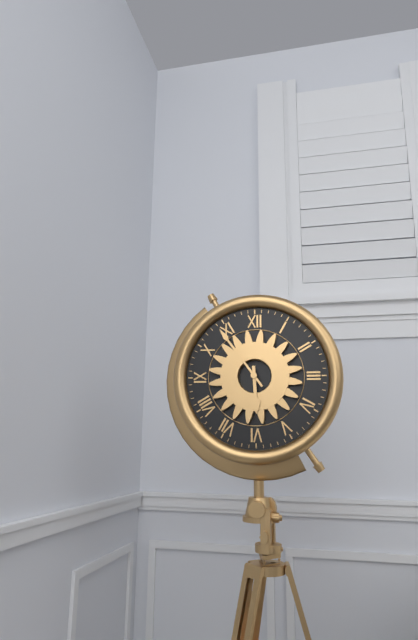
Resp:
**5:54**
